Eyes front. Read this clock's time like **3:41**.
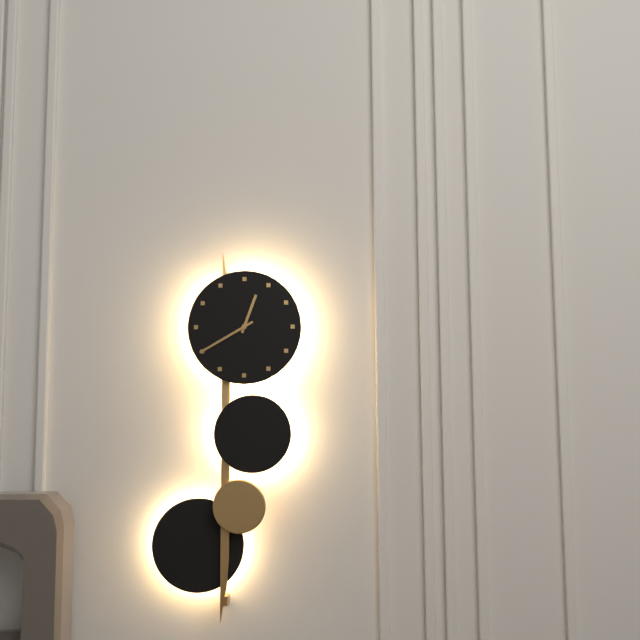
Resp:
**12:40**
